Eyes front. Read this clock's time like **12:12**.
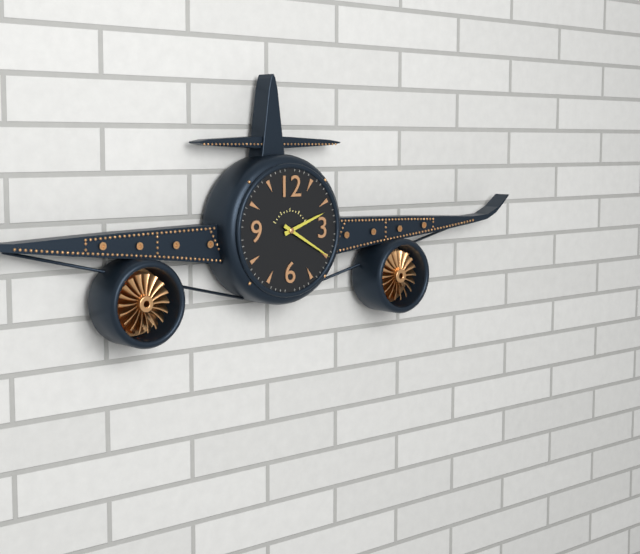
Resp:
**2:20**
